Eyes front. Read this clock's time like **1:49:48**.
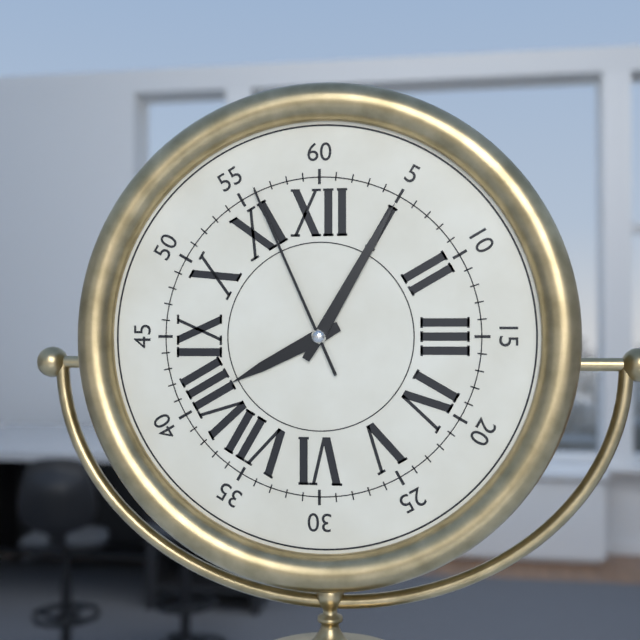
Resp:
**8:05:56**
